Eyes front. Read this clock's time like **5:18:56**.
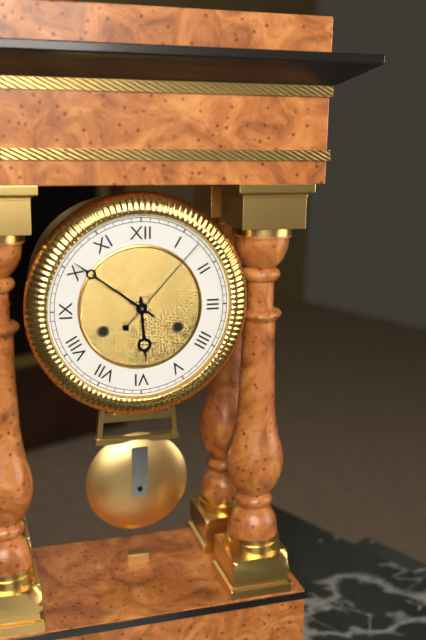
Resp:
**5:51:07**
